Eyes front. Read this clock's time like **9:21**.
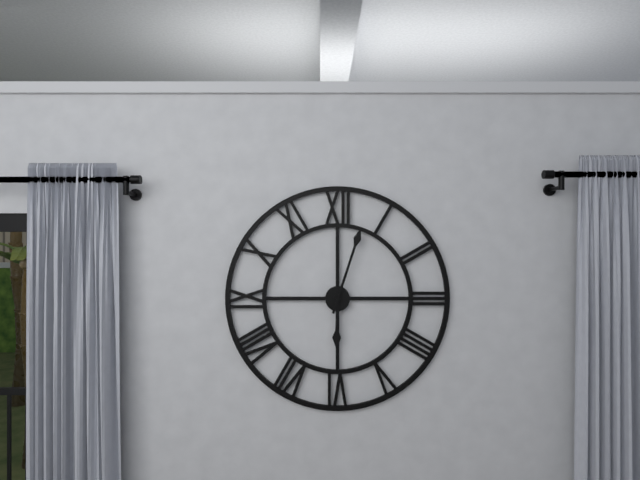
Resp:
**6:03**
